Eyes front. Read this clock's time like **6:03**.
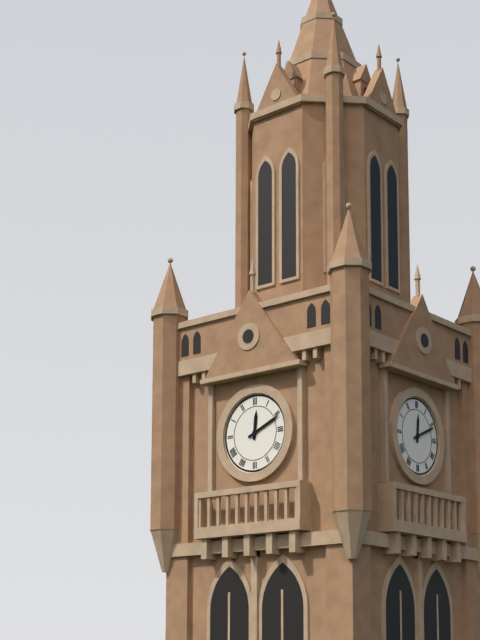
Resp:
**12:11**
